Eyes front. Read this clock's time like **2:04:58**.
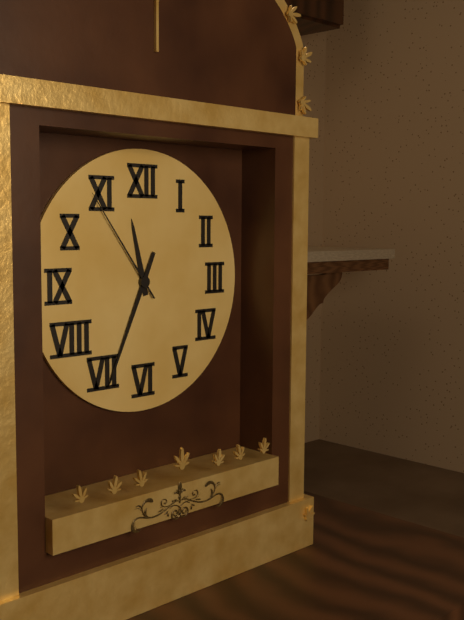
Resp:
**11:34:54**
